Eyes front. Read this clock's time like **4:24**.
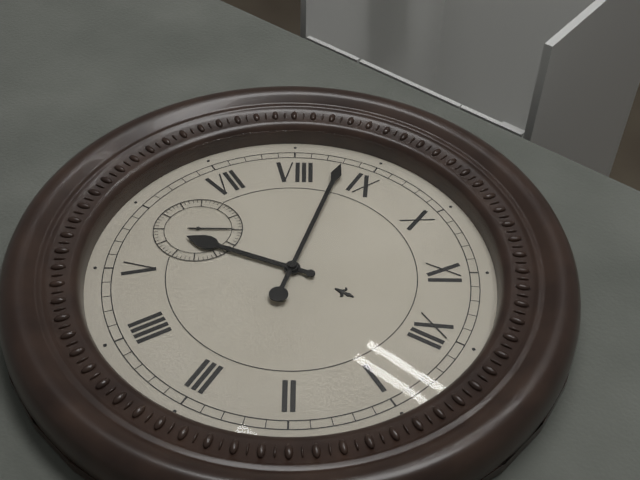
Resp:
**5:43**
